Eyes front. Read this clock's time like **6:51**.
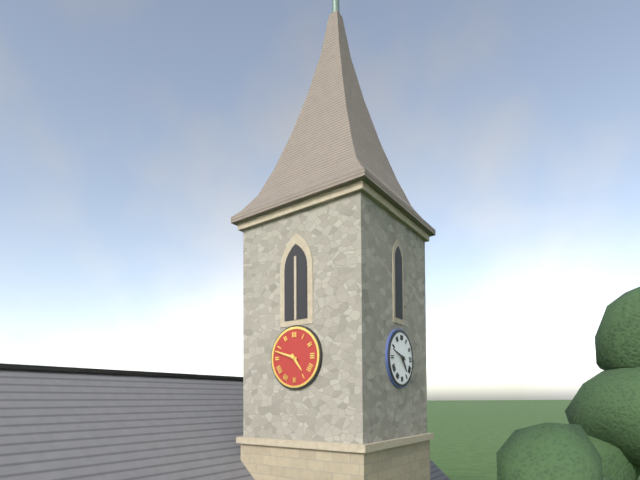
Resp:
**4:48**
